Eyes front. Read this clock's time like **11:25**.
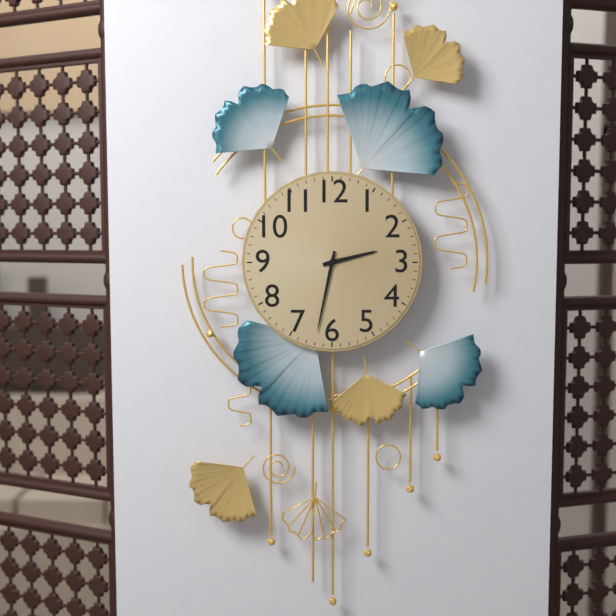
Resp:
**2:32**
